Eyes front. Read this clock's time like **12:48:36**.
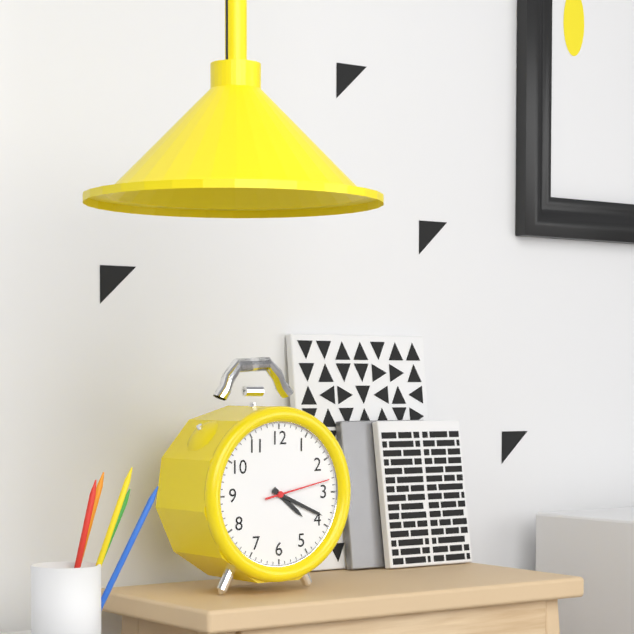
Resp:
**4:19:13**
